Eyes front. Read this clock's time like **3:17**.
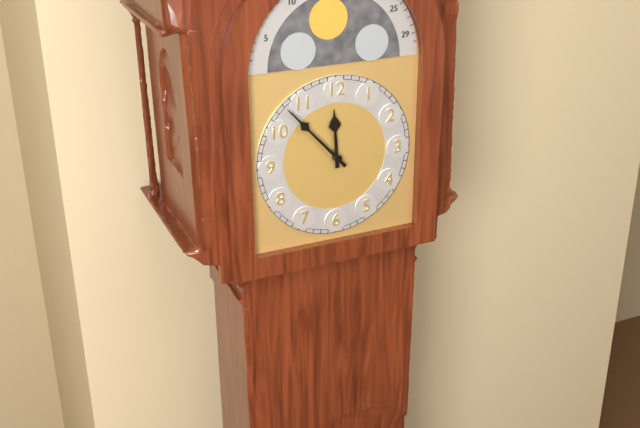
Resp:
**11:53**
